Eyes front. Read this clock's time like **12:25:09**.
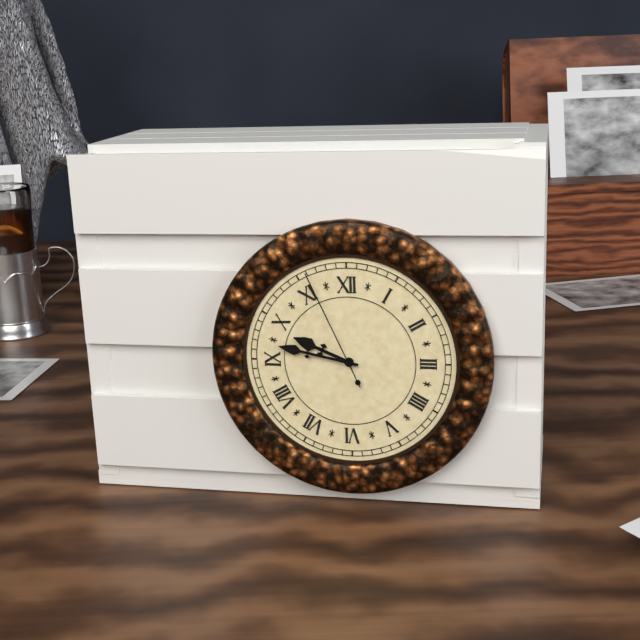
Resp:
**9:47:56**
